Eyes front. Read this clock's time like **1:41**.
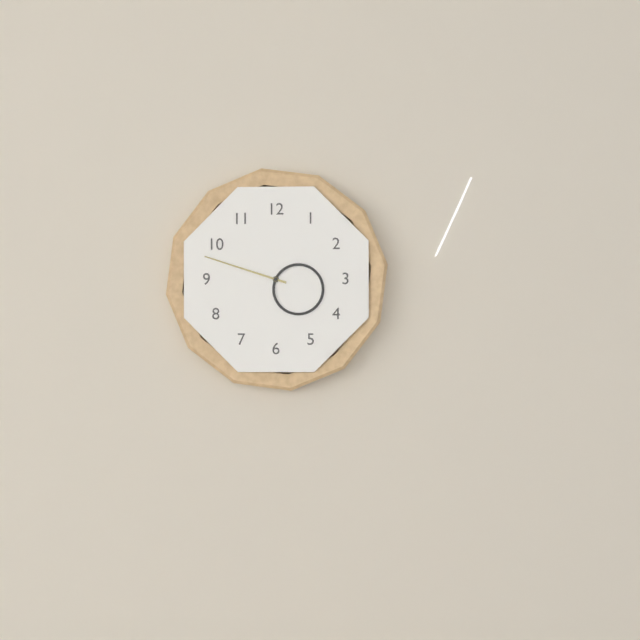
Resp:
**3:48**
